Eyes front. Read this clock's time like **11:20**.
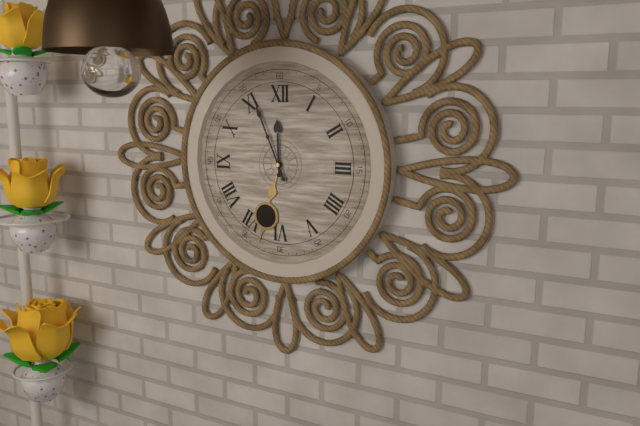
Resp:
**11:56**
